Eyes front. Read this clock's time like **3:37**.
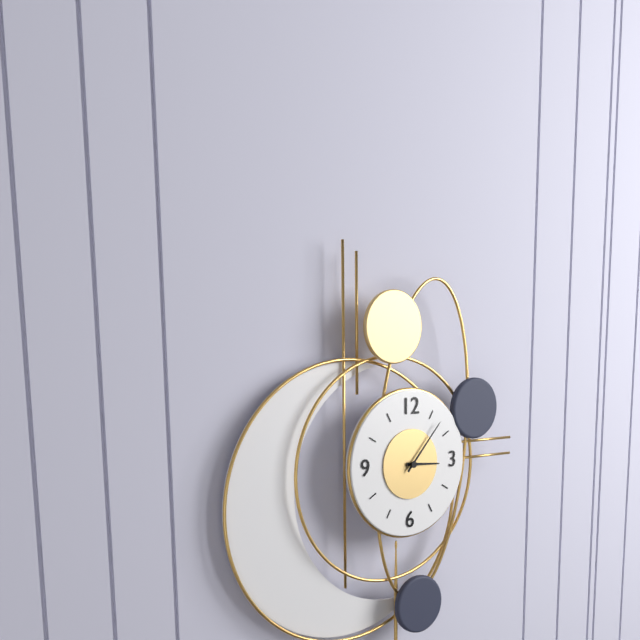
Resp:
**3:07**
